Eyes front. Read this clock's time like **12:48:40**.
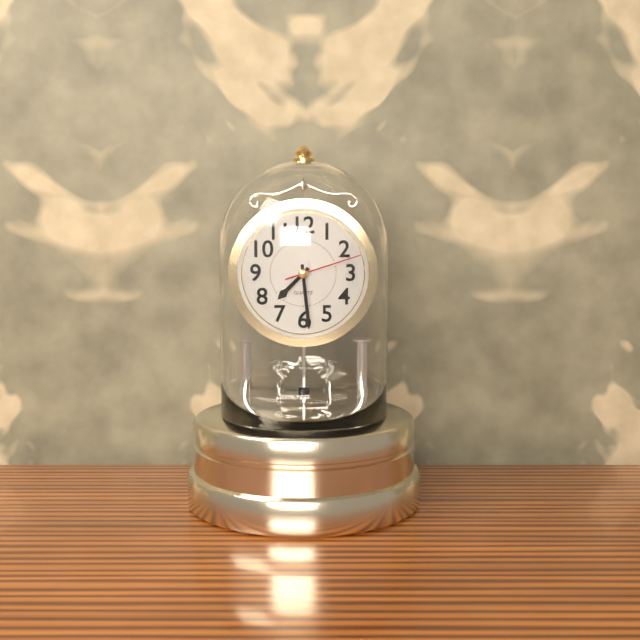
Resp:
**7:29:12**
